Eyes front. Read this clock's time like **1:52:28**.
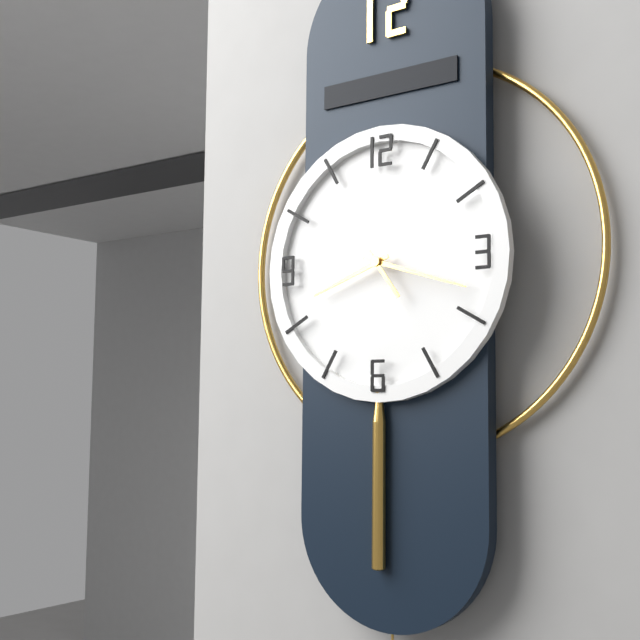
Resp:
**8:18:24**
